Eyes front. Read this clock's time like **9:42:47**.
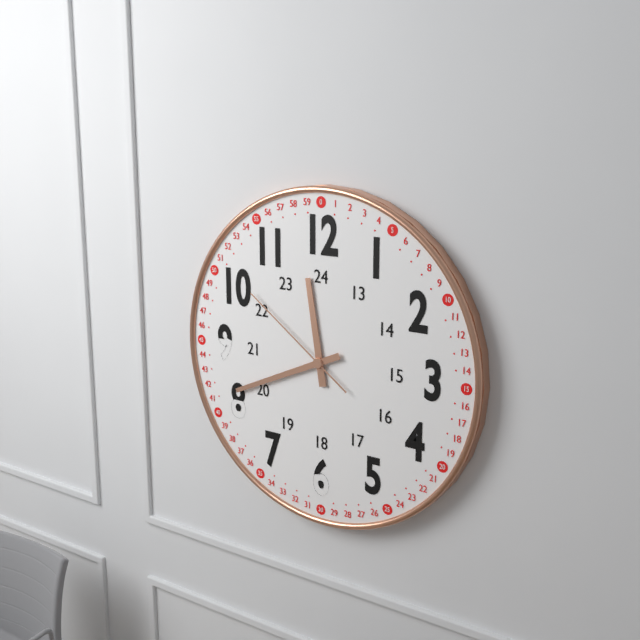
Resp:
**11:41:51**
